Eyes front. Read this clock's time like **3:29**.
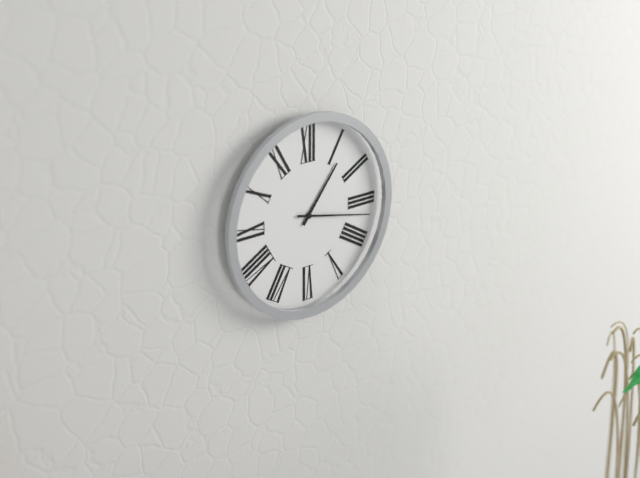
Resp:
**1:17**
